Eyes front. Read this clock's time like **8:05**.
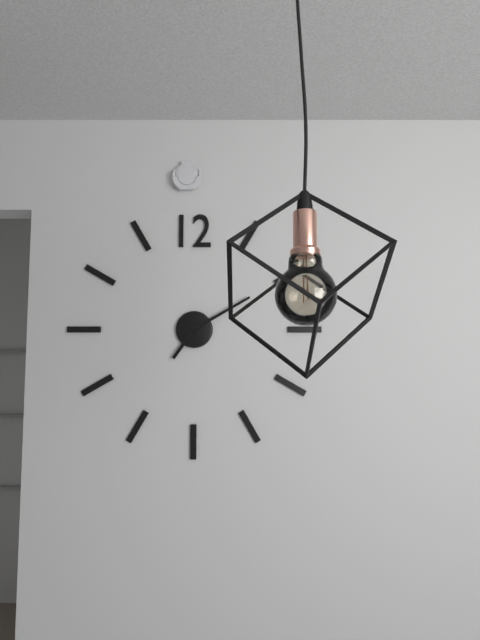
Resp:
**7:10**
